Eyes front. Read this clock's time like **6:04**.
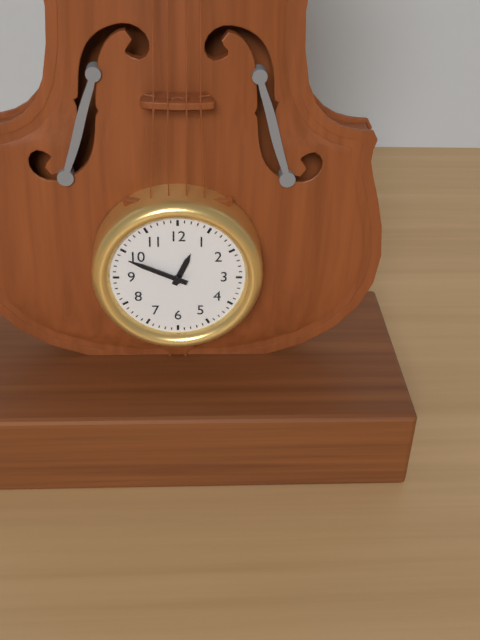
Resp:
**12:49**
